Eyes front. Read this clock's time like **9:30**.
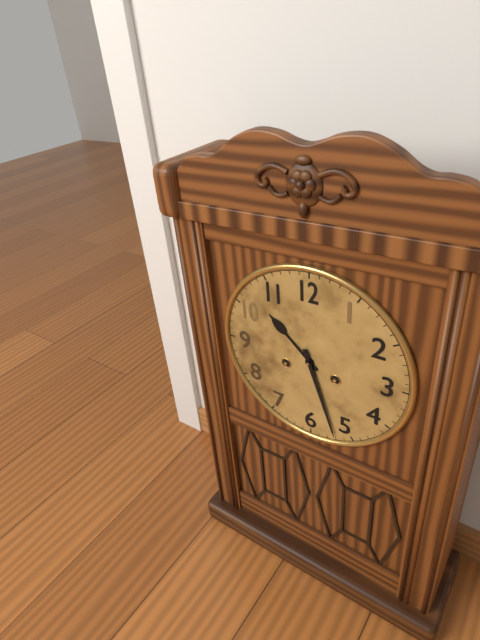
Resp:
**10:27**
